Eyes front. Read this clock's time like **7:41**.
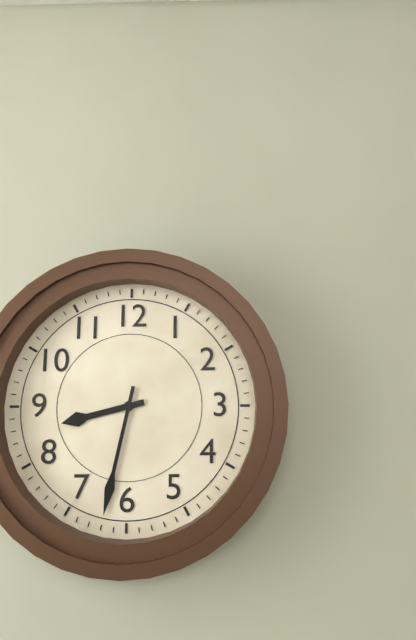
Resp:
**8:32**
